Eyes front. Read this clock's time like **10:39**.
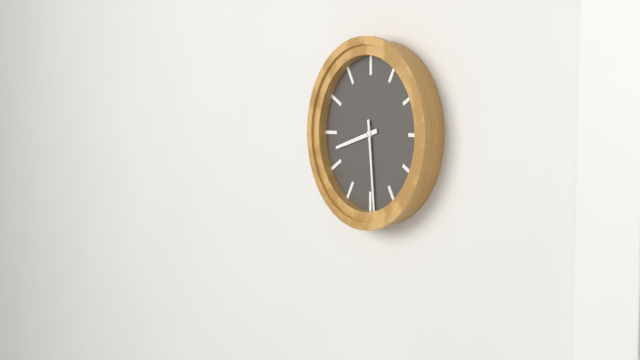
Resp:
**8:29**
